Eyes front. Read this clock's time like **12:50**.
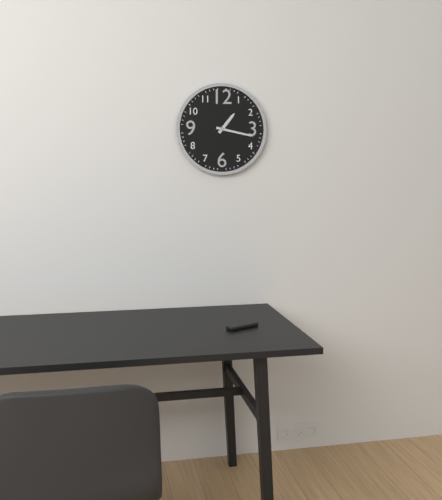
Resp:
**1:17**
